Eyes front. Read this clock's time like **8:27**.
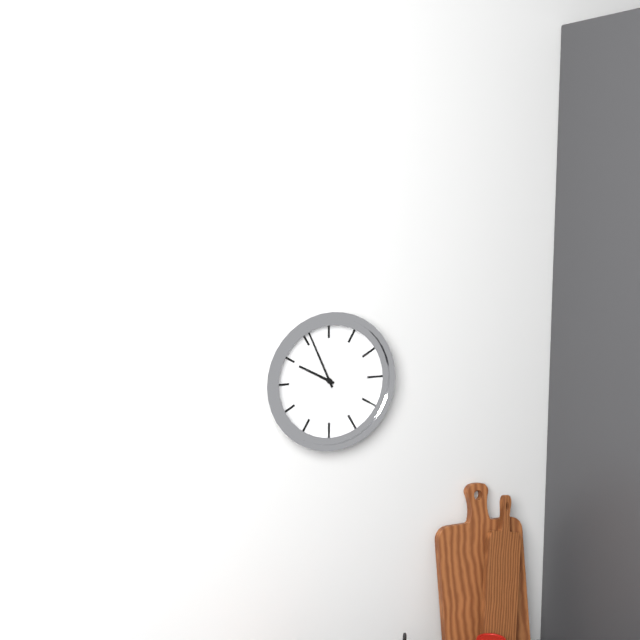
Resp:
**9:56**
